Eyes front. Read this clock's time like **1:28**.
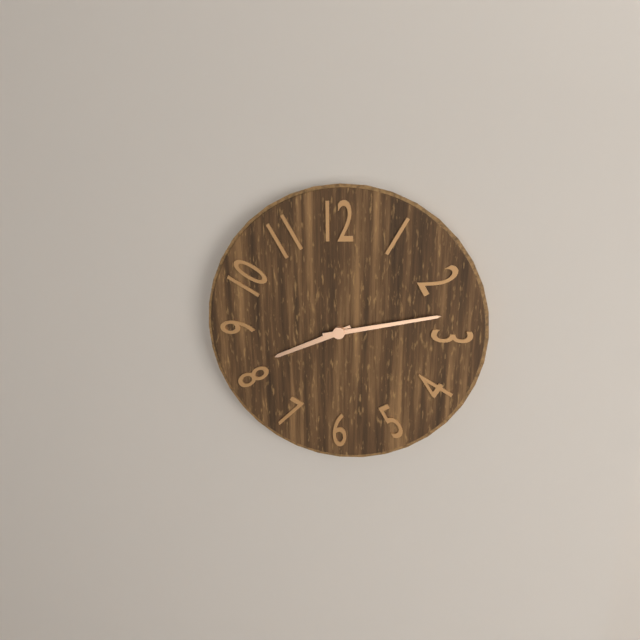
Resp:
**8:13**
